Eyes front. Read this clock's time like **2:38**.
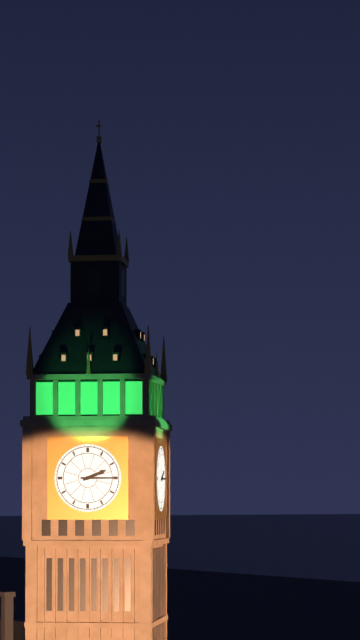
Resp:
**2:15**
